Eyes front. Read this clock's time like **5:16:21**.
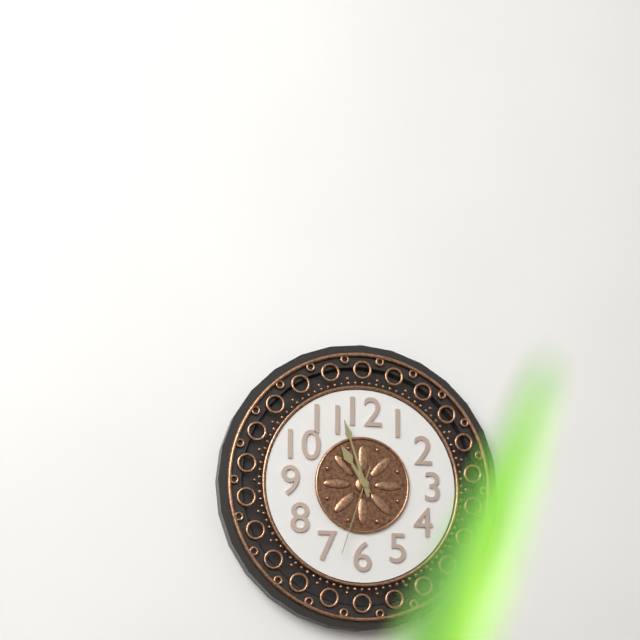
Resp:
**10:57:33**
